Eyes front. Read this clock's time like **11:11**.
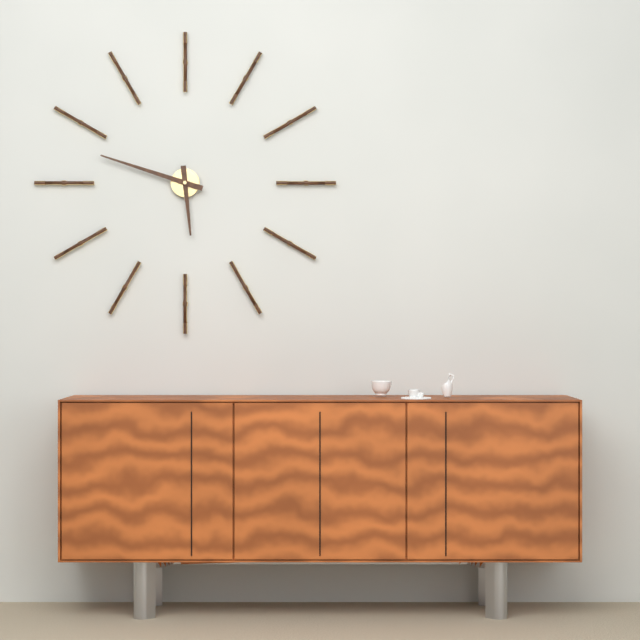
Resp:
**5:48**
